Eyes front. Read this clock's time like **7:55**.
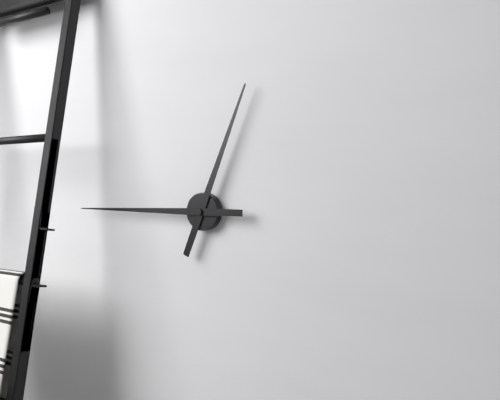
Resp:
**12:45**
